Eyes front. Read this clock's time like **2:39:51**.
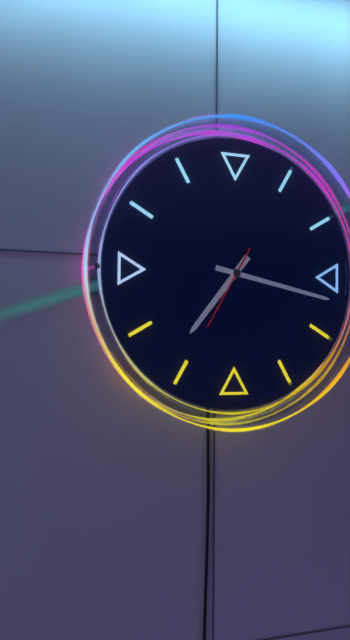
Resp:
**7:17:35**
